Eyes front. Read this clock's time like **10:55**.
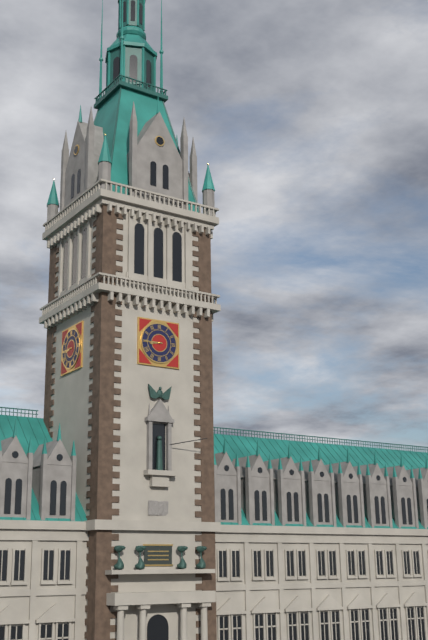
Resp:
**8:45**
